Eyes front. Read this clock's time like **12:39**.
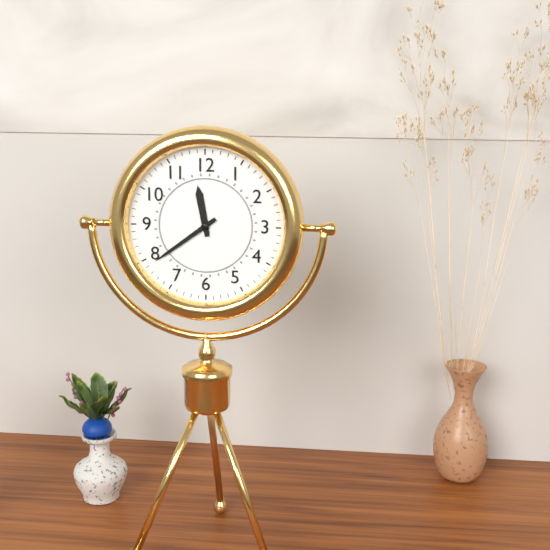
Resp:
**11:39**
